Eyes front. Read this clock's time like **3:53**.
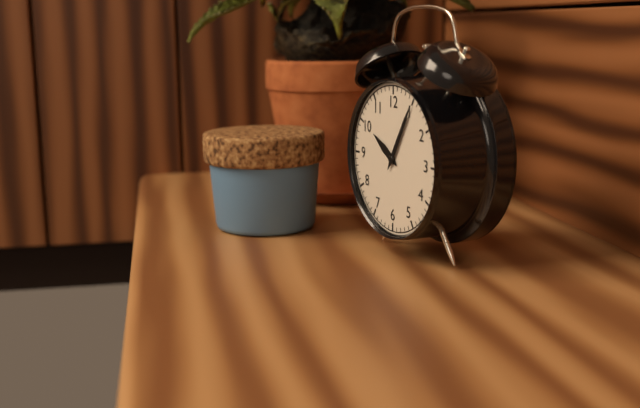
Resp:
**10:05**
